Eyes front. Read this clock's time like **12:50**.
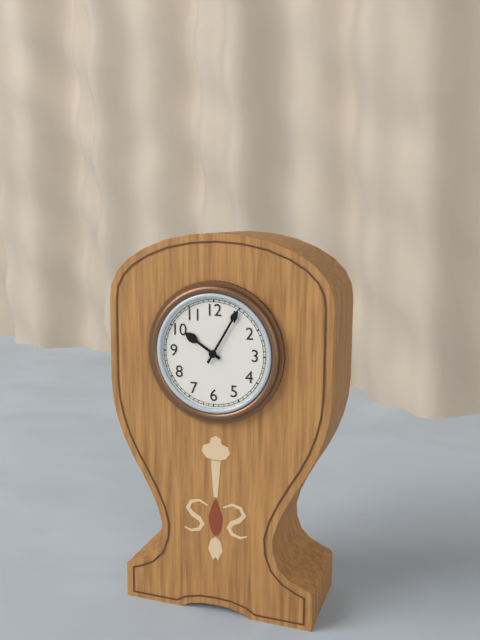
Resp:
**10:05**
